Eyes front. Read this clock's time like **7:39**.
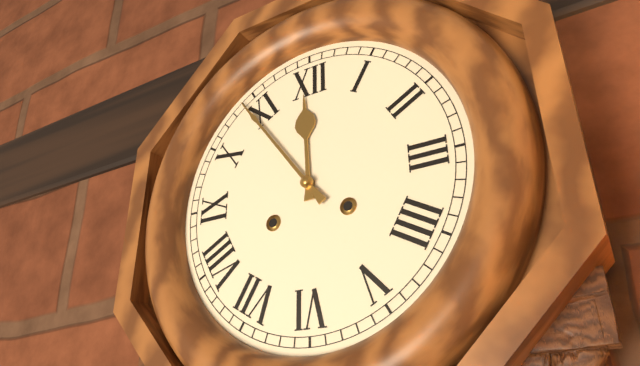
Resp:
**11:54**
